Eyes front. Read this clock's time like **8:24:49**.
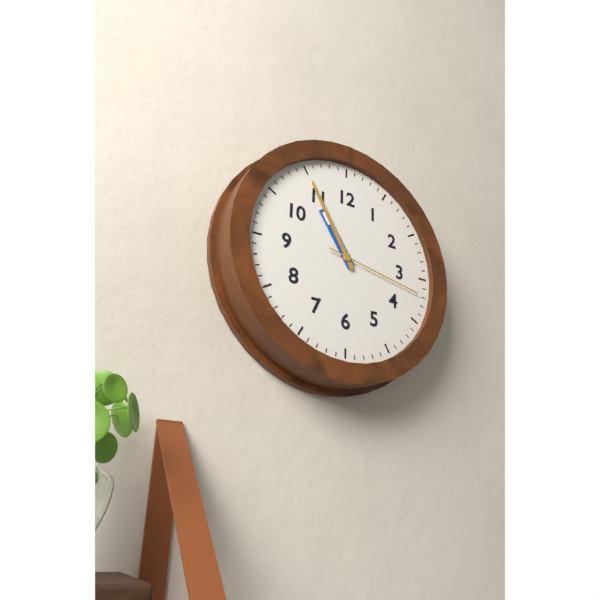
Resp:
**10:55:17**
